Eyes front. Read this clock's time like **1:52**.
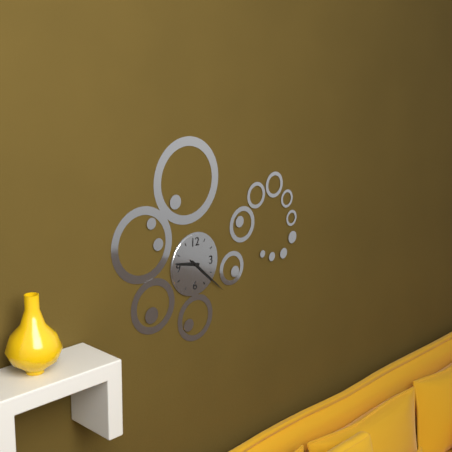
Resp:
**9:22**
